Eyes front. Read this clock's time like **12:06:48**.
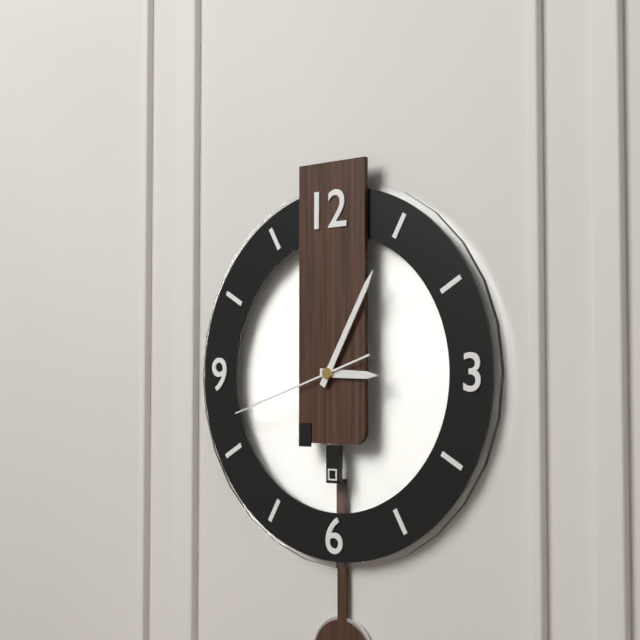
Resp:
**3:05:42**
